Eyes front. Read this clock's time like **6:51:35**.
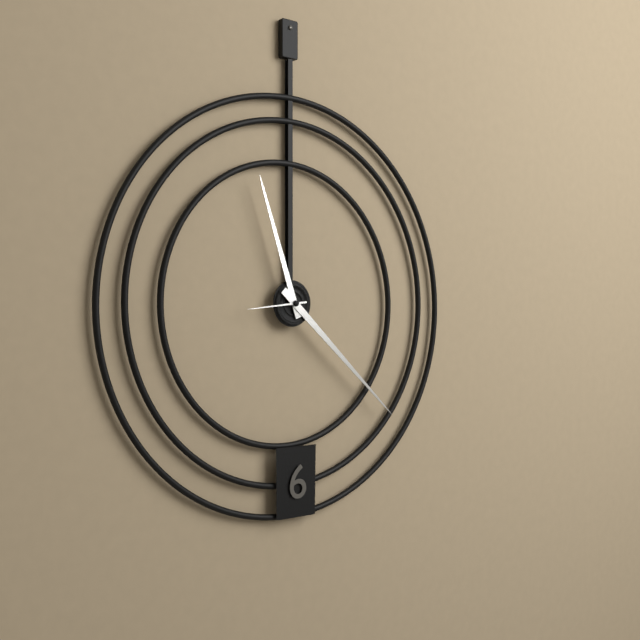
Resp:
**11:22:44**
